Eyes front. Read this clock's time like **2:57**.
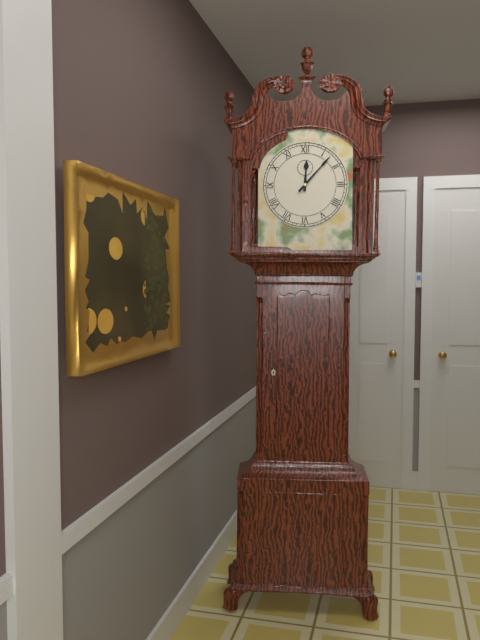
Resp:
**12:07**
